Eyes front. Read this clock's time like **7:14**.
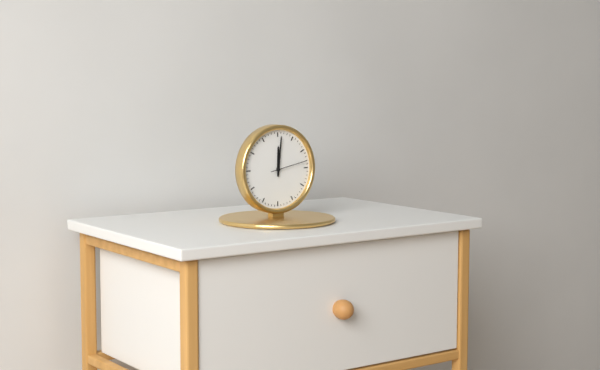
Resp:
**12:01**
